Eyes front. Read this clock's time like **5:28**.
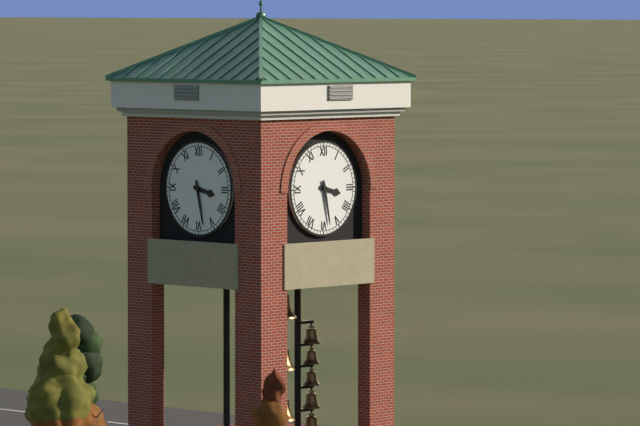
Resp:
**3:28**
